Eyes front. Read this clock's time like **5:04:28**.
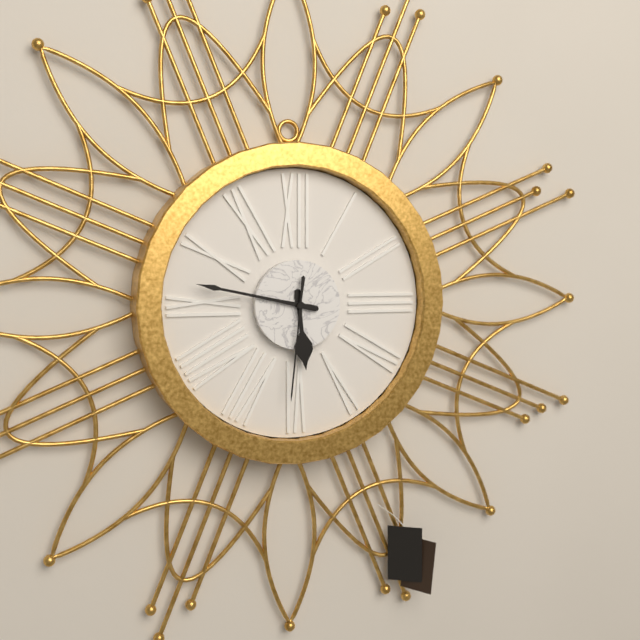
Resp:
**5:47:31**
